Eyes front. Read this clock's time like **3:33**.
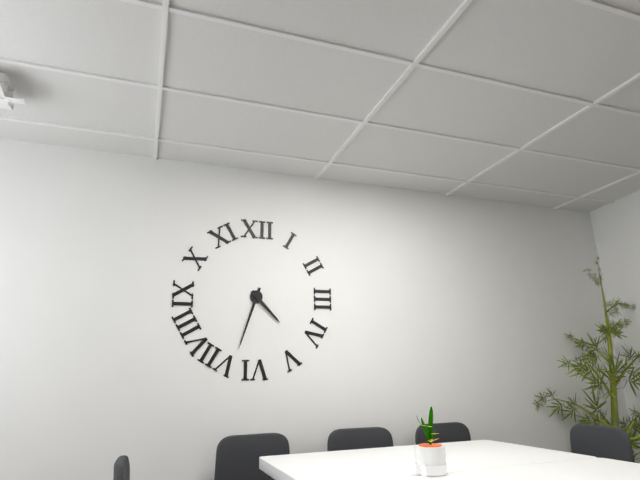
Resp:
**4:33**
